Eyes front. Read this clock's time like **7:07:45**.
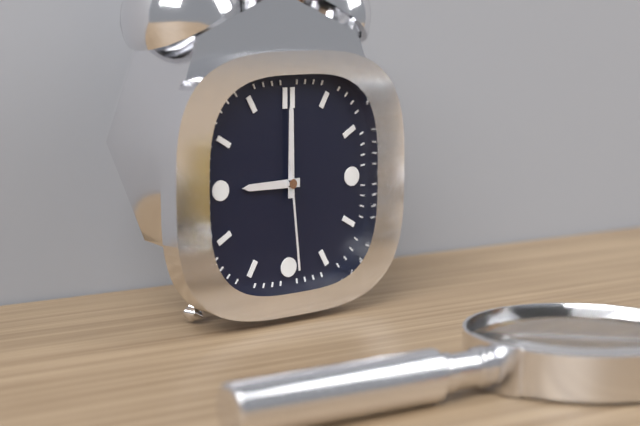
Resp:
**9:00:29**
